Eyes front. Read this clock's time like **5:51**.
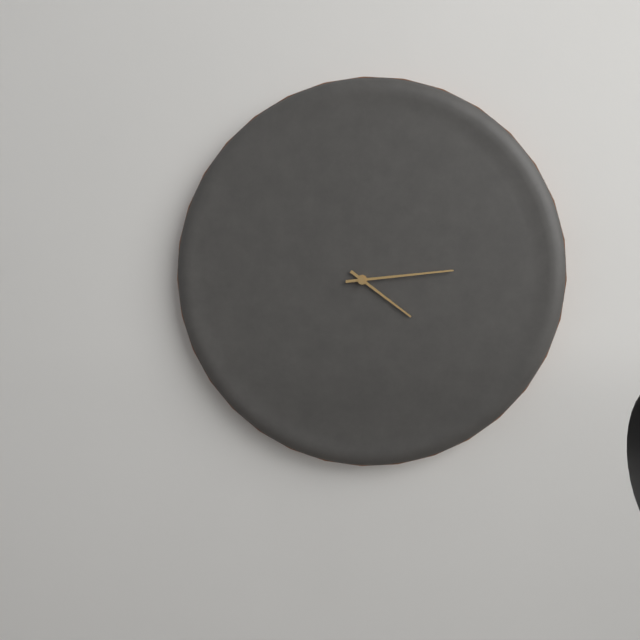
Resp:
**4:14**
